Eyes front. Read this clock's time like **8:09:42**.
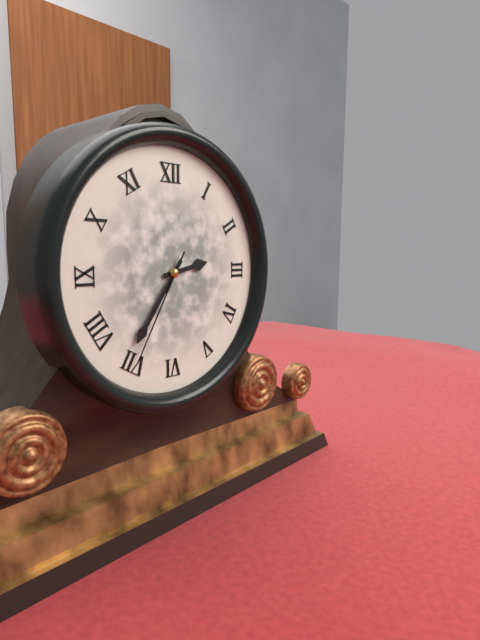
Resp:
**2:36:35**
